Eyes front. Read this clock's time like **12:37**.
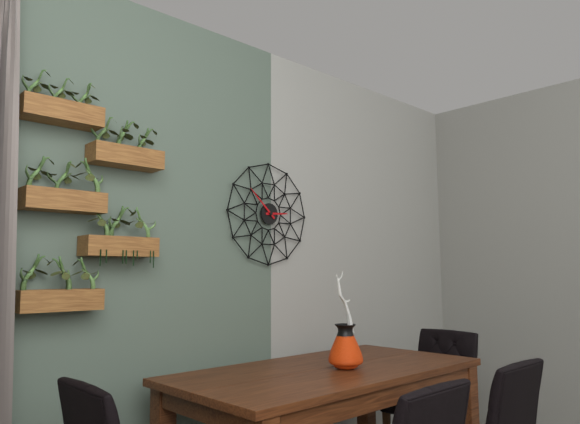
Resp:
**2:52**
